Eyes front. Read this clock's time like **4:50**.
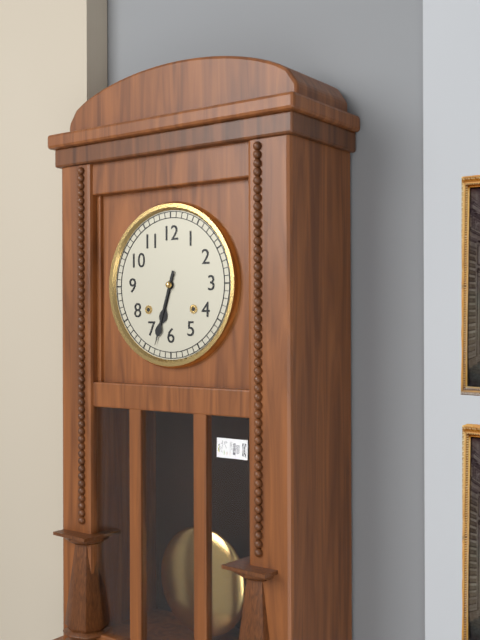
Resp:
**6:33**
